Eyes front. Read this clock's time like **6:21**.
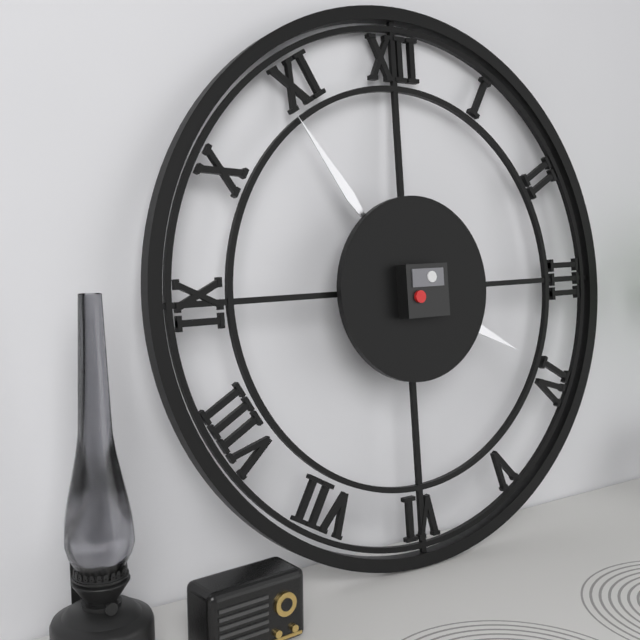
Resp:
**3:54**
